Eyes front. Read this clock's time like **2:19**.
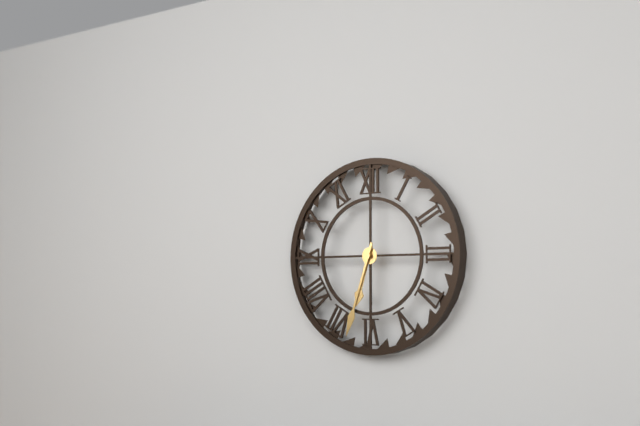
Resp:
**6:33**
